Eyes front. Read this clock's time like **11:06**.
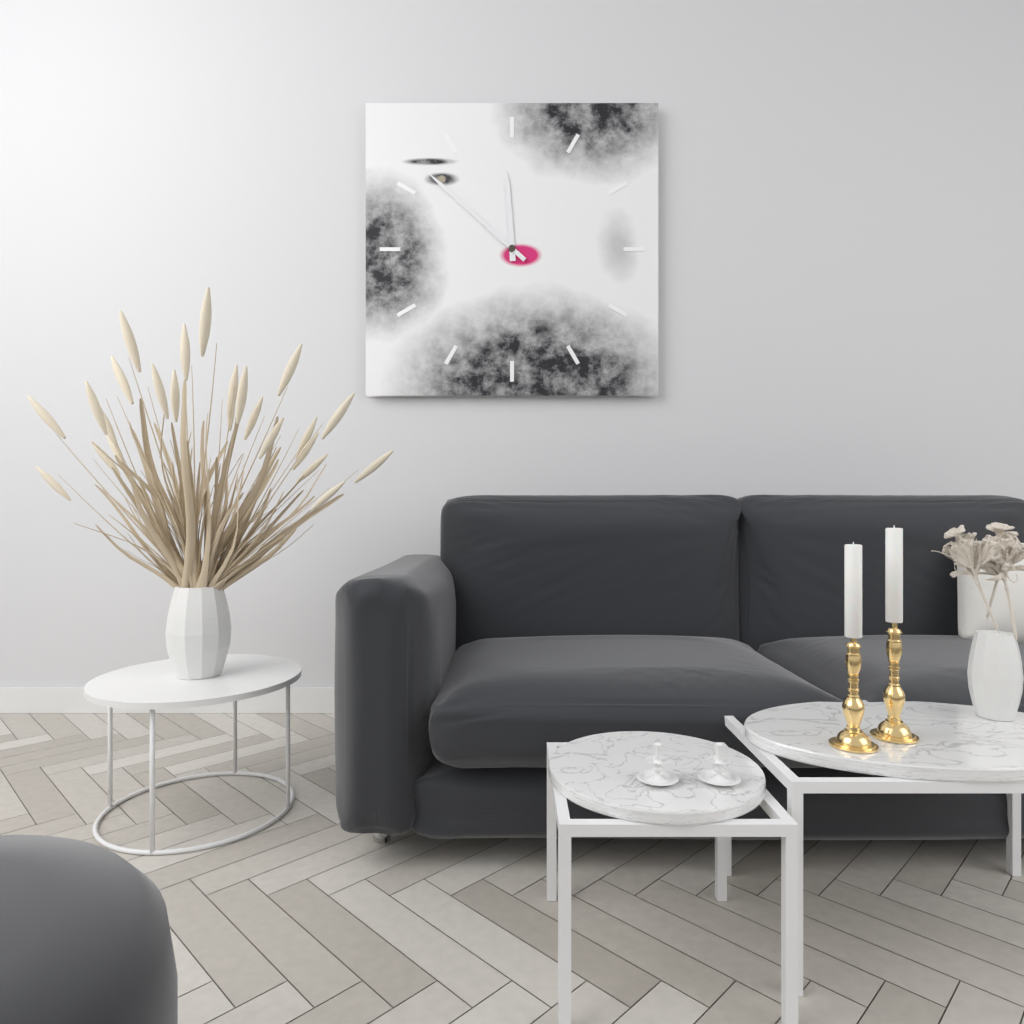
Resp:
**11:52**
